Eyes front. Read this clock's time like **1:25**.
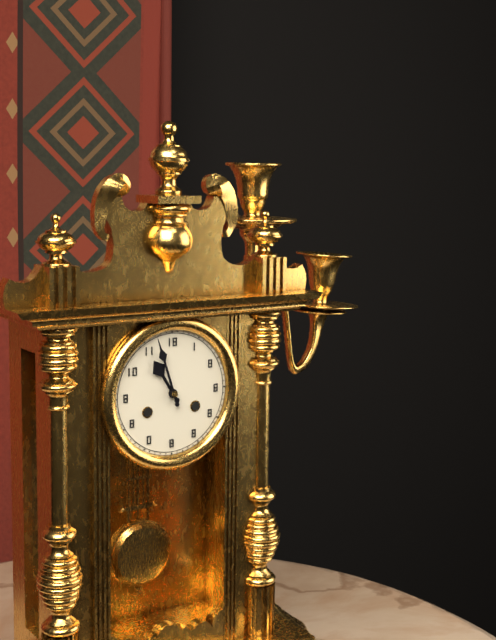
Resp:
**10:57**
